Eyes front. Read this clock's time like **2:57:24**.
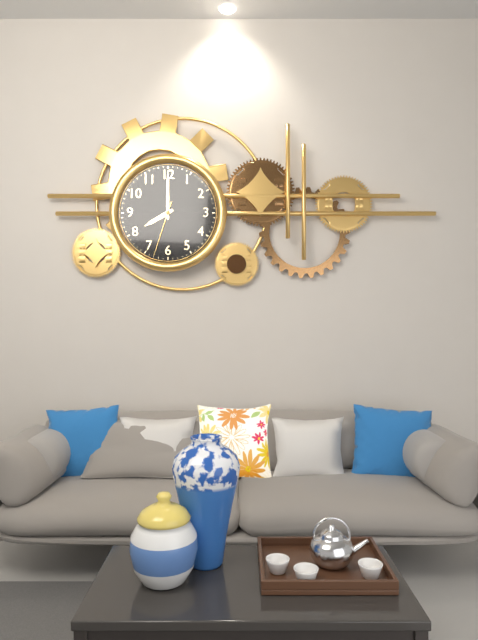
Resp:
**8:00:33**
